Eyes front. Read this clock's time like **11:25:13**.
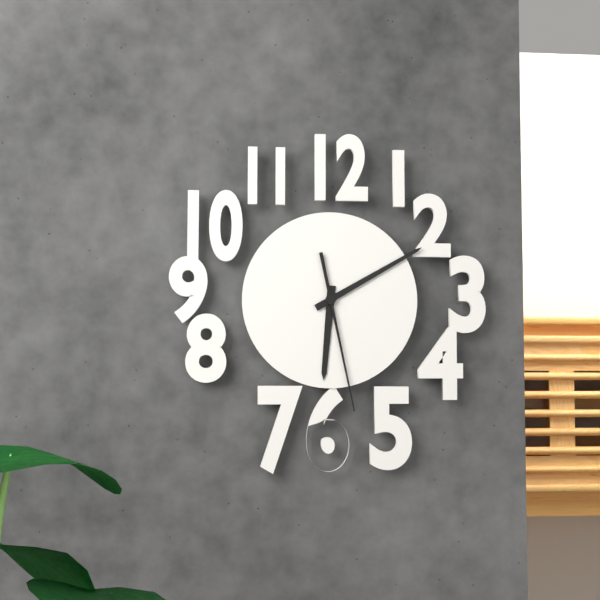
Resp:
**6:10:28**
